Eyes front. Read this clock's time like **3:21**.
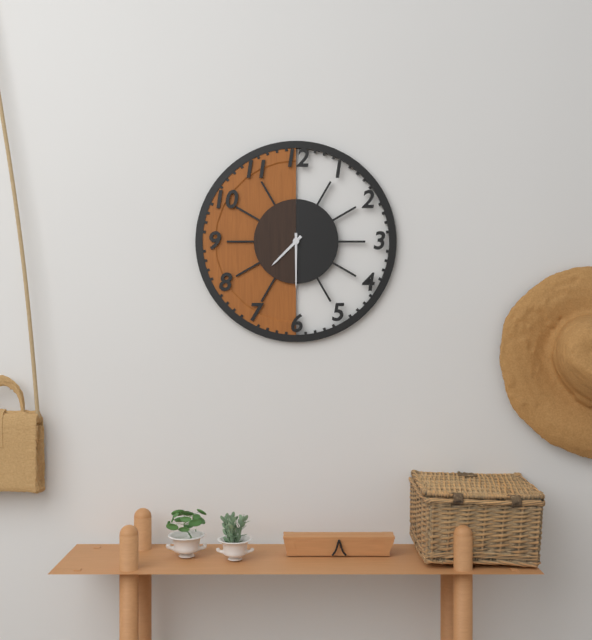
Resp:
**7:30**
